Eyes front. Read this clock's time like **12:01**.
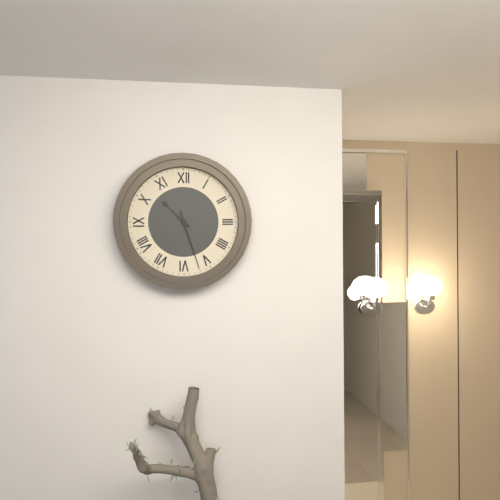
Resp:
**10:27**
